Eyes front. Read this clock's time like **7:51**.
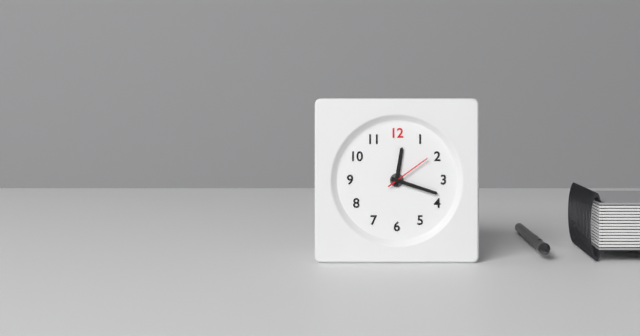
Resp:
**12:18**
